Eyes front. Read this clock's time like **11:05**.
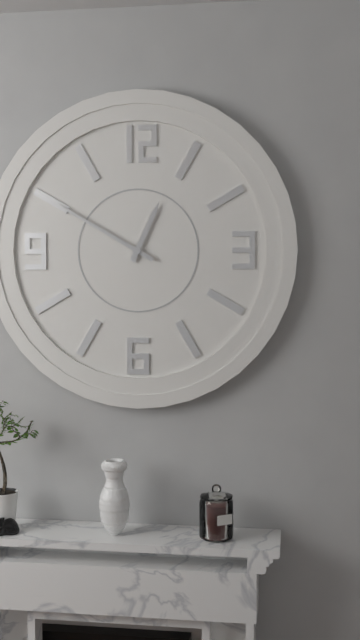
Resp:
**12:50**
